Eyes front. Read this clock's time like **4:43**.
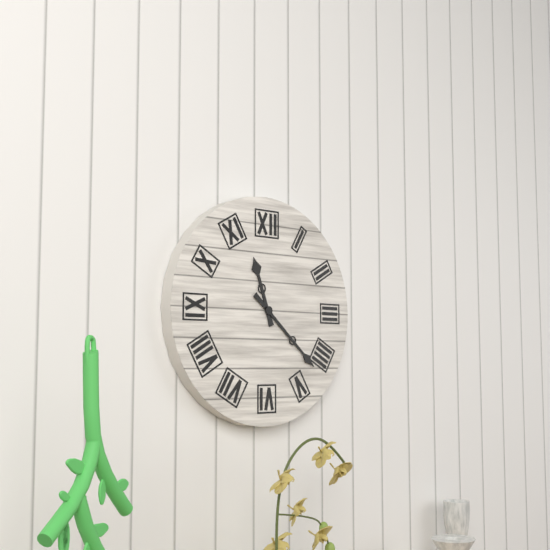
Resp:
**11:22**
